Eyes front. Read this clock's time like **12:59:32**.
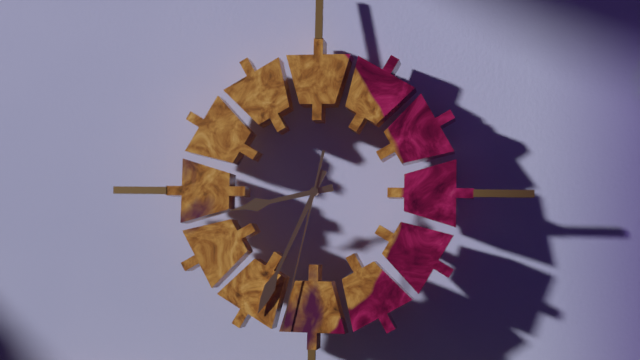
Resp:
**8:34:32**
